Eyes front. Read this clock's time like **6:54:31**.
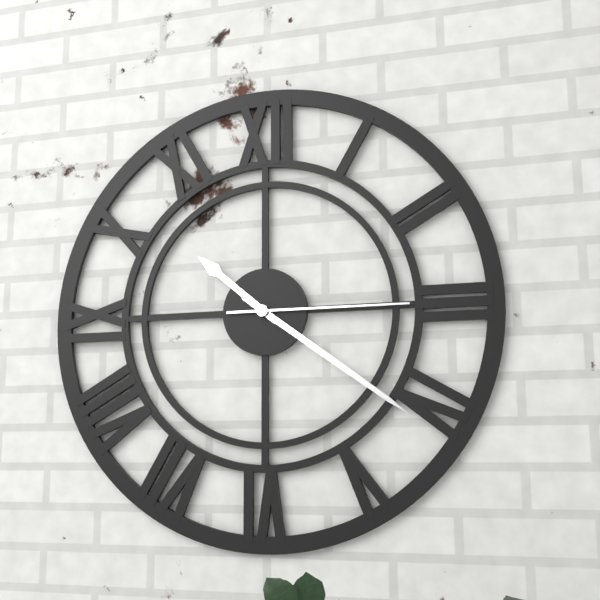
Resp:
**10:21:15**
